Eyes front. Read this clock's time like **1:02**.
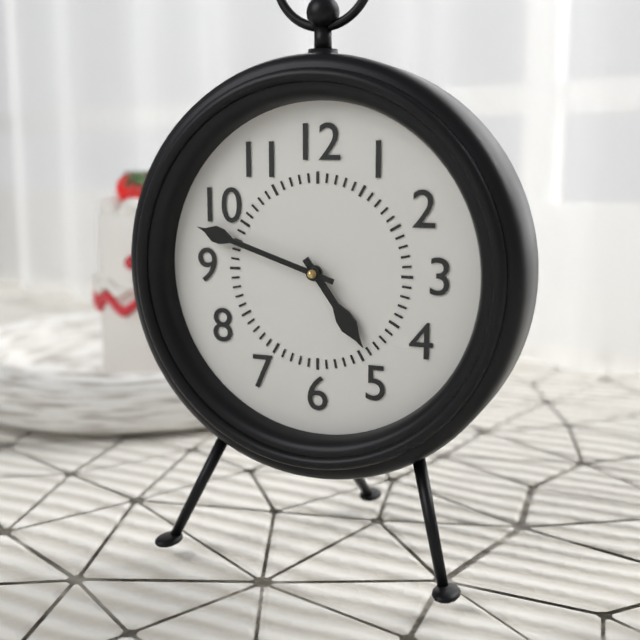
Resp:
**4:48**
